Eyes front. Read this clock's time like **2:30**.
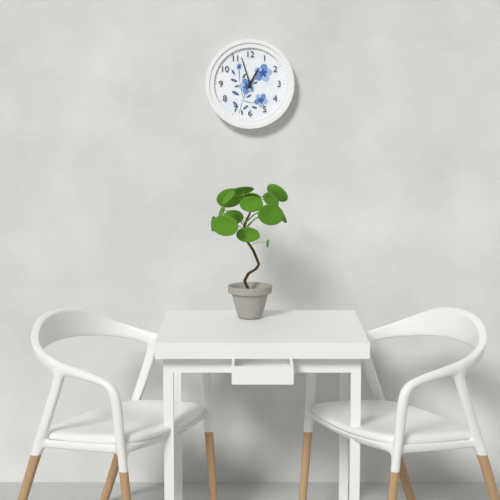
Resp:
**12:57**
